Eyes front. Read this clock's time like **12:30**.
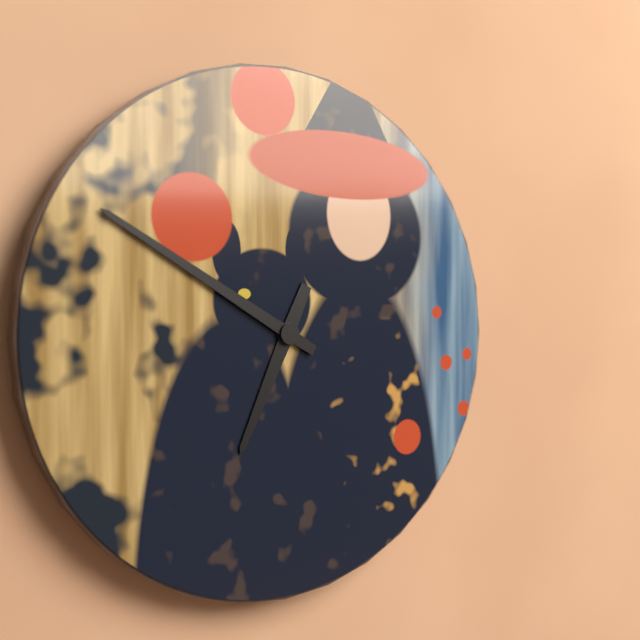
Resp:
**6:50**
